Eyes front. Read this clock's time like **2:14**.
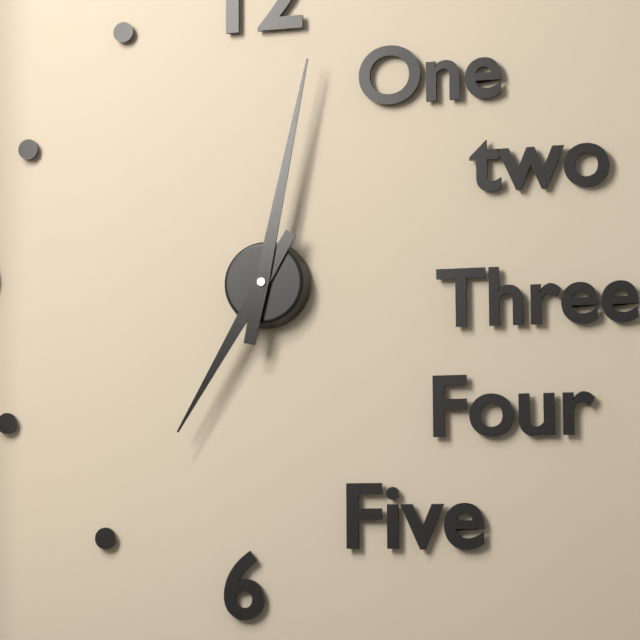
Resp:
**7:02**
